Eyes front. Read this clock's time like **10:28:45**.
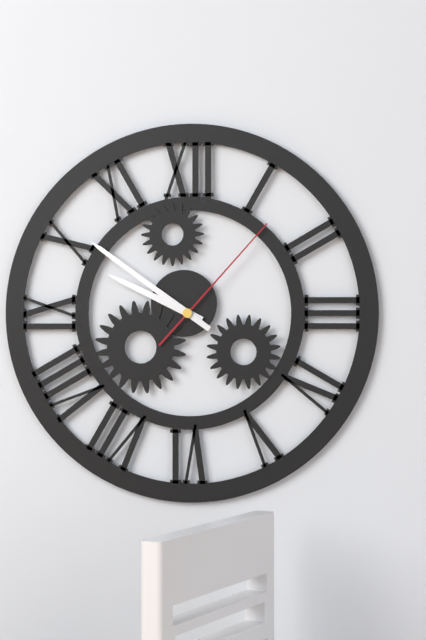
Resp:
**9:51:07**
